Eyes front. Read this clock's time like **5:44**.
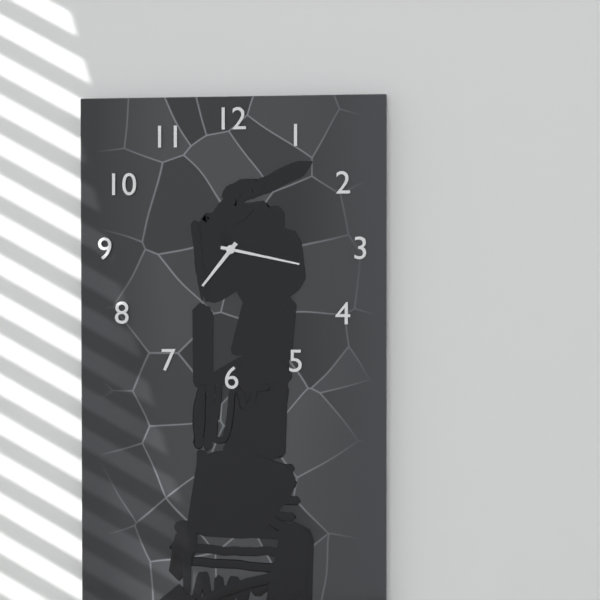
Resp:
**7:17**
